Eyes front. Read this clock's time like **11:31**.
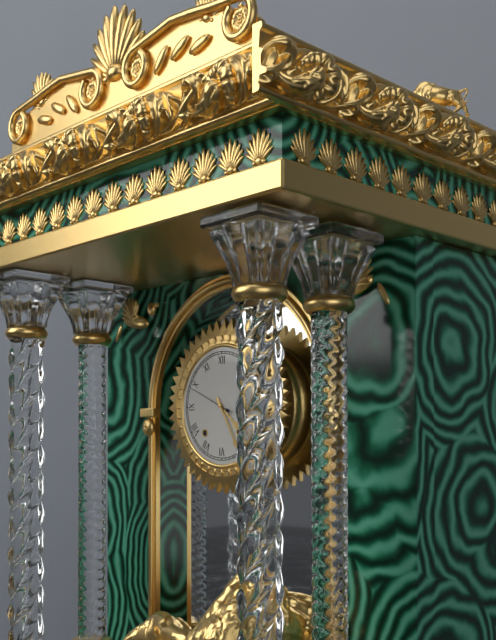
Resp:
**4:25**
